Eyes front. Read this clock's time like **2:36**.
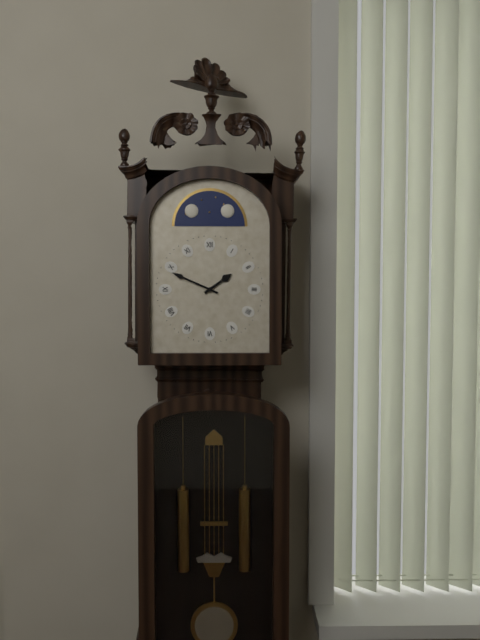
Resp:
**1:49**
